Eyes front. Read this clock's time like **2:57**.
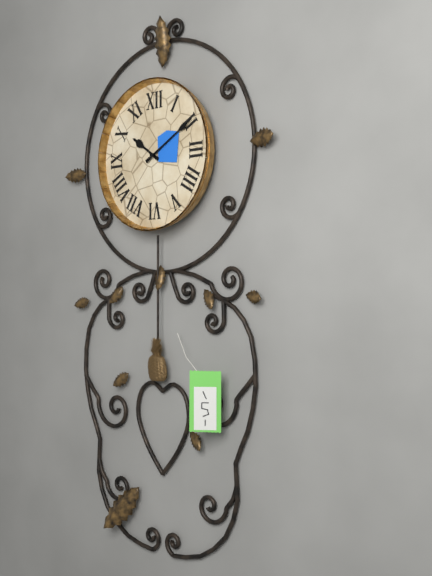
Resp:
**10:10**
